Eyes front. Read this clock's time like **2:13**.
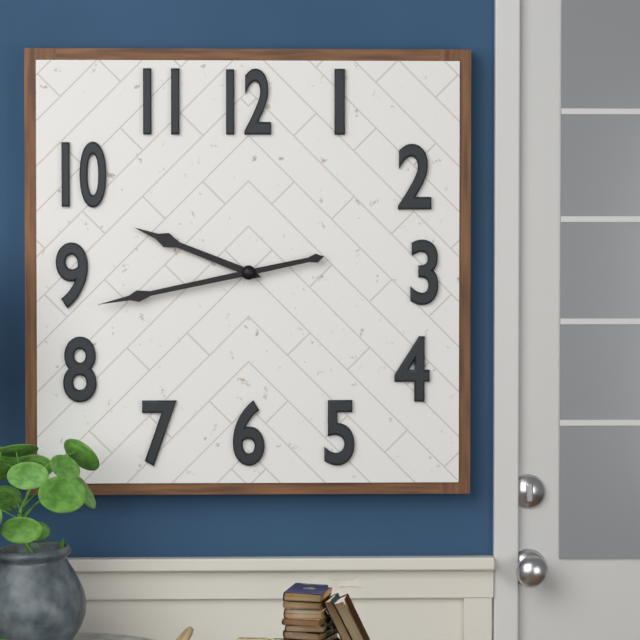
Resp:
**9:43**
